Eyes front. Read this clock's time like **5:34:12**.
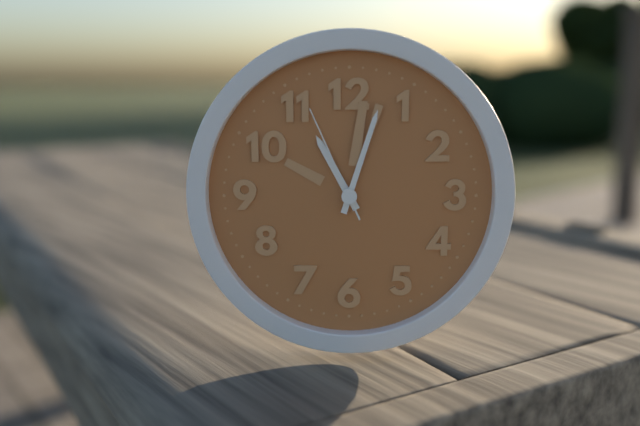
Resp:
**11:03:56**
